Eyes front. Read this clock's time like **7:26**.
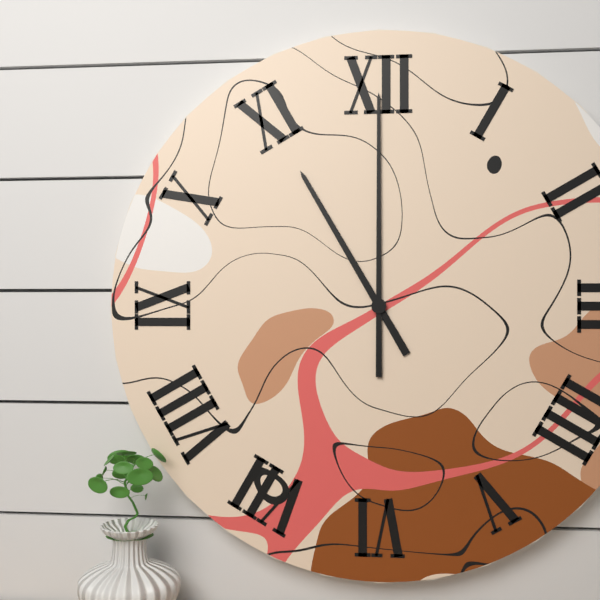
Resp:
**11:00**
